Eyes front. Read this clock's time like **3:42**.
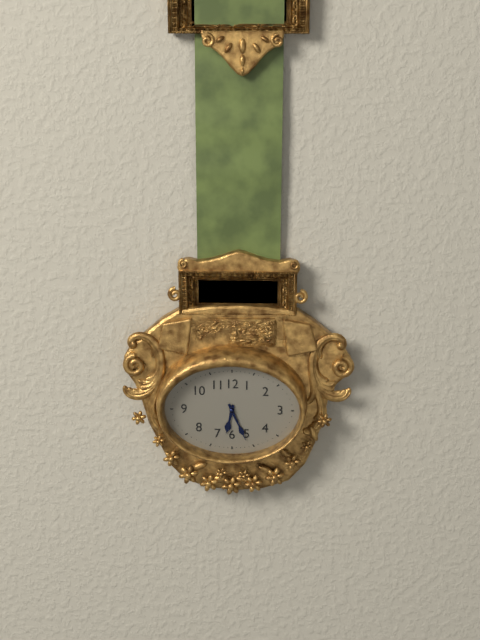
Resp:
**6:26**
